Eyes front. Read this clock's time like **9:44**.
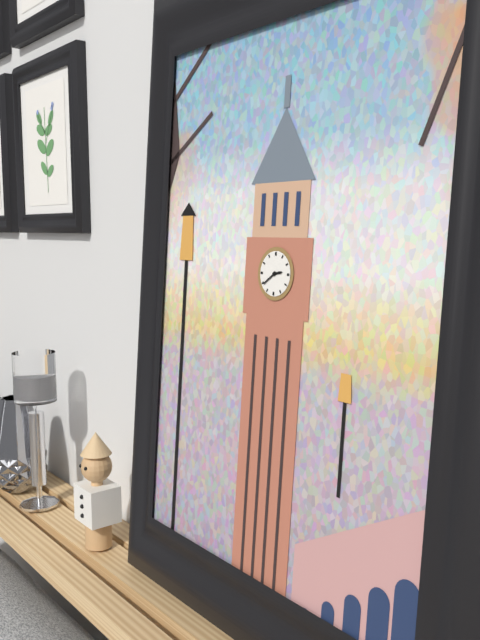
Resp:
**2:39**
